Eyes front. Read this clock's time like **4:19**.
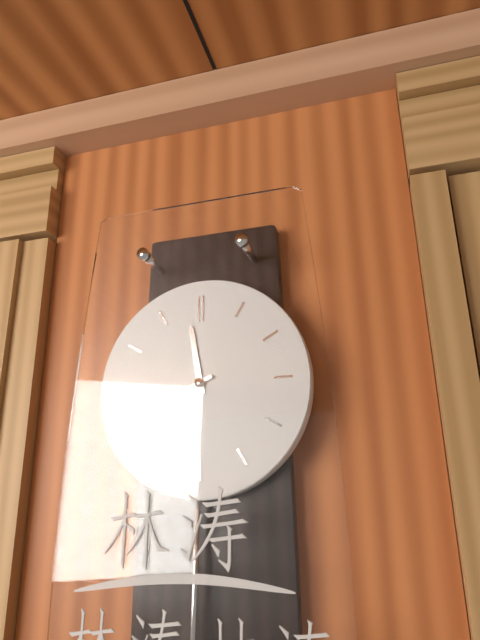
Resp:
**11:41**
